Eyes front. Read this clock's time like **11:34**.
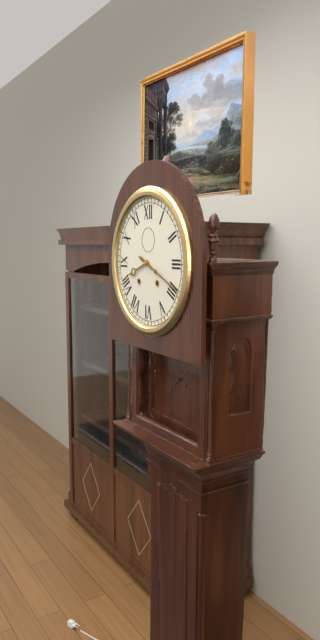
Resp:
**8:19**
